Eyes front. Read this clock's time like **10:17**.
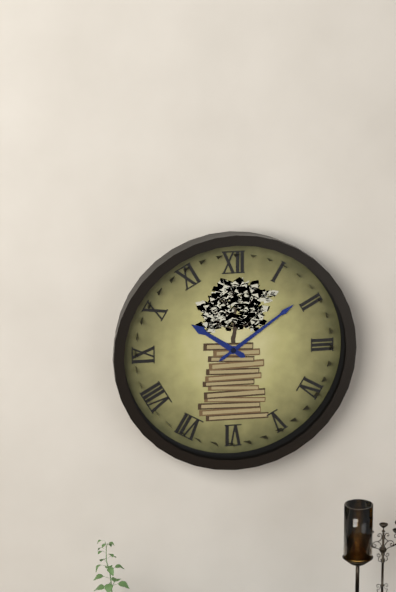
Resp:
**10:09**
